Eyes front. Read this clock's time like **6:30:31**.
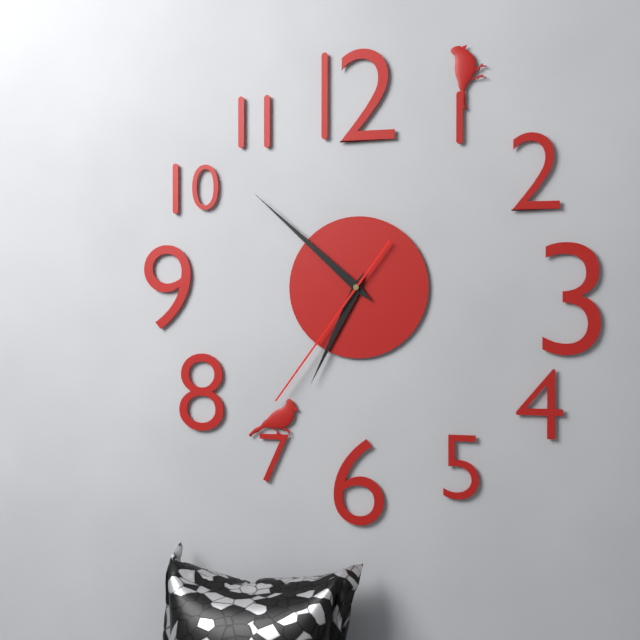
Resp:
**6:52:36**
